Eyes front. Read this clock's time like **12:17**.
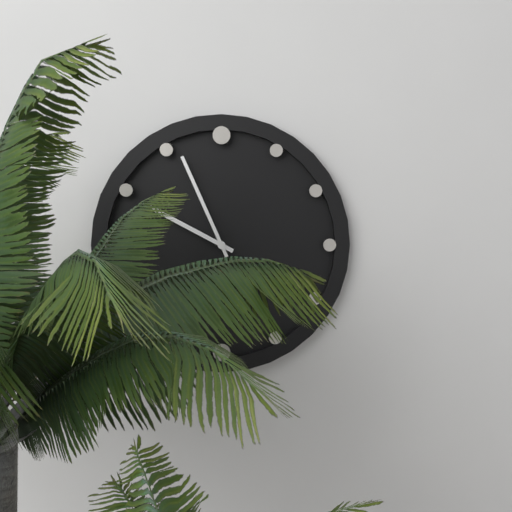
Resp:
**9:56**
